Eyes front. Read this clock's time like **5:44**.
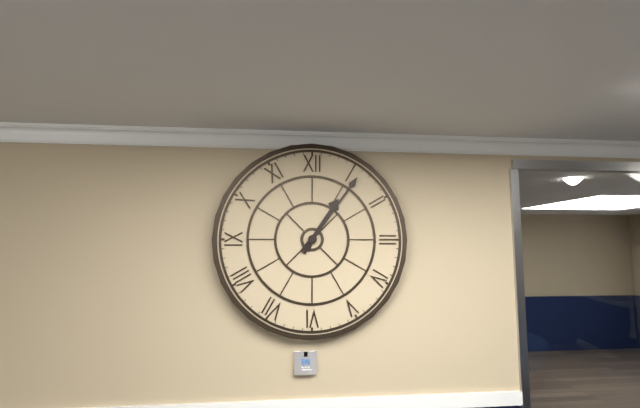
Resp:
**1:06**
